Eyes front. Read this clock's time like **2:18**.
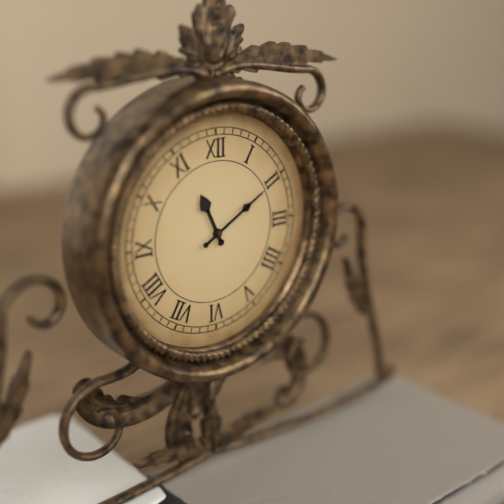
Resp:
**11:10**
